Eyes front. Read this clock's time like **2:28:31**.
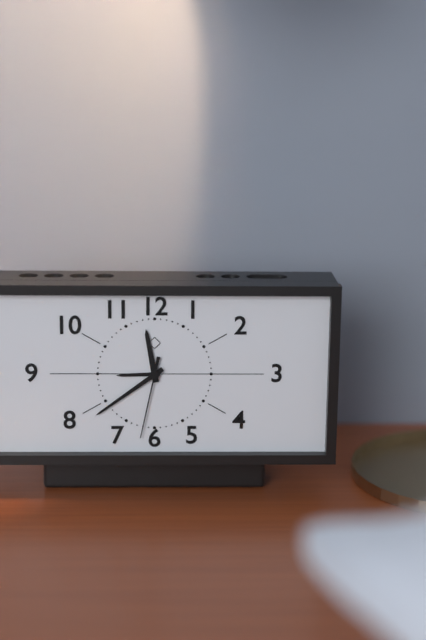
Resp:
**11:39:32**
